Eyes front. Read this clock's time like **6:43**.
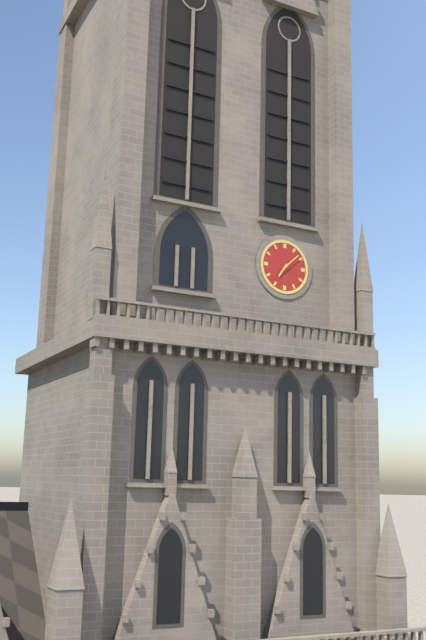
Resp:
**7:08**
